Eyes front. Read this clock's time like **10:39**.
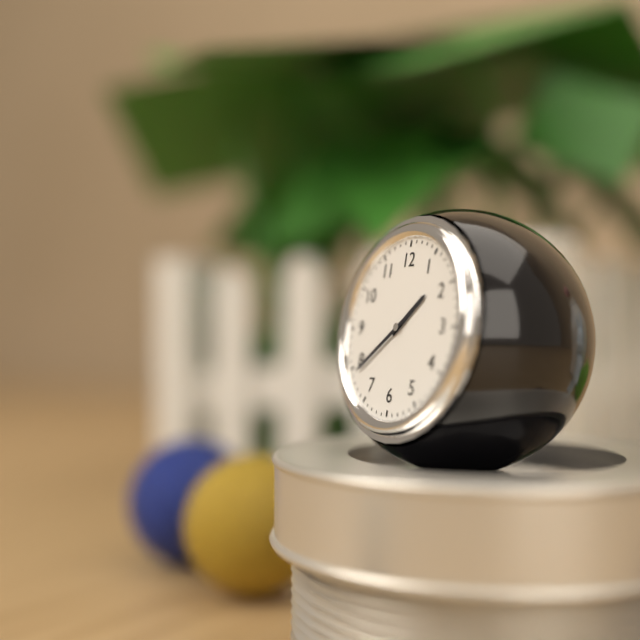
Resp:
**1:39**
